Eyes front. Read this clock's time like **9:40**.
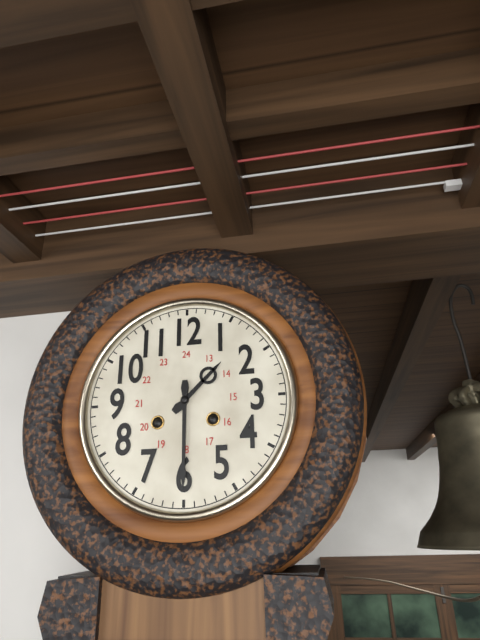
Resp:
**1:30**
